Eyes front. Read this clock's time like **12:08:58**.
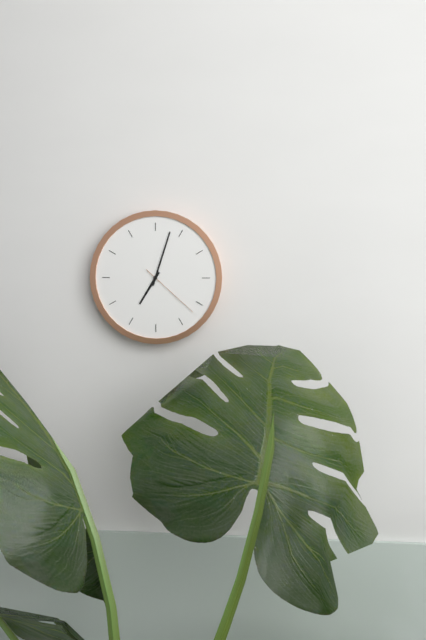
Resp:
**7:03:22**
